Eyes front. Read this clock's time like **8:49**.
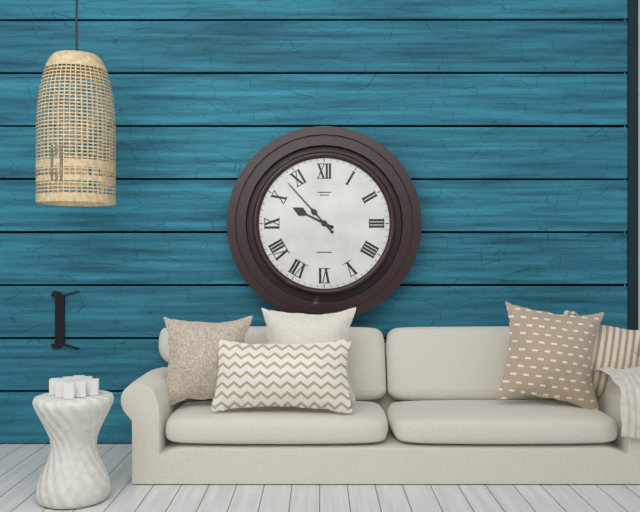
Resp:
**9:53**
